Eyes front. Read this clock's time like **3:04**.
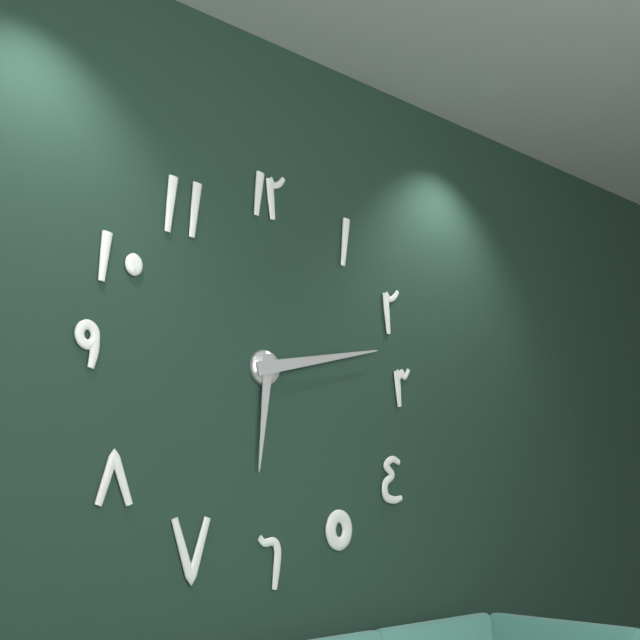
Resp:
**6:13**
